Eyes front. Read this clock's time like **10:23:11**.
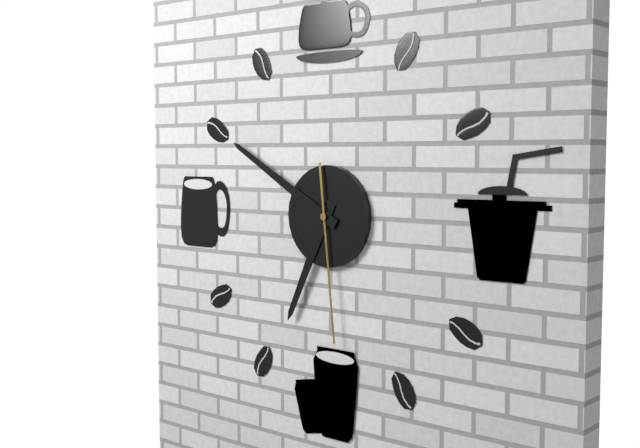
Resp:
**6:50:29**
